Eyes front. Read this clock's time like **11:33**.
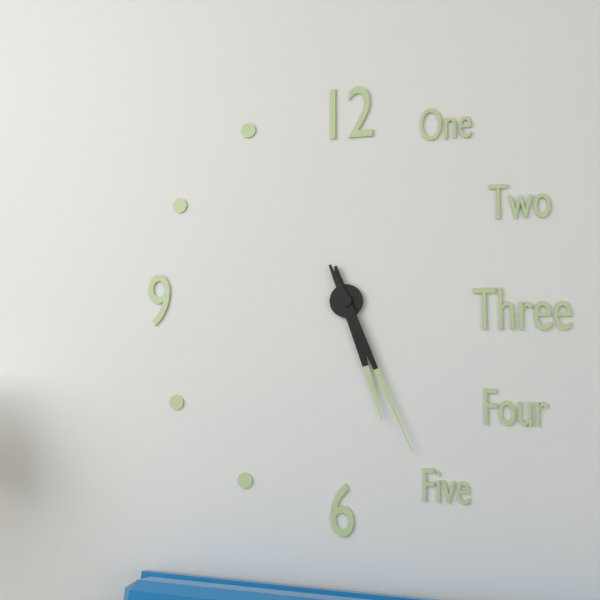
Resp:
**5:26**
